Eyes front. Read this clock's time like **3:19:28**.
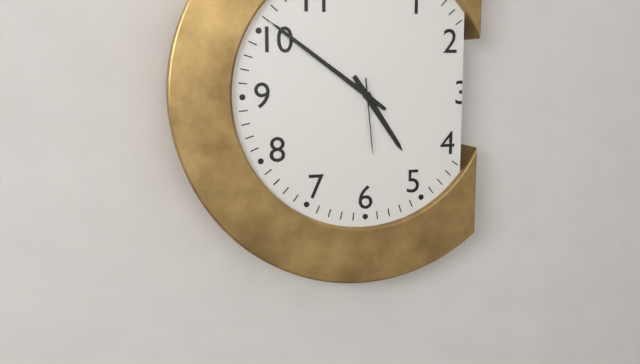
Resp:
**4:51:29**
